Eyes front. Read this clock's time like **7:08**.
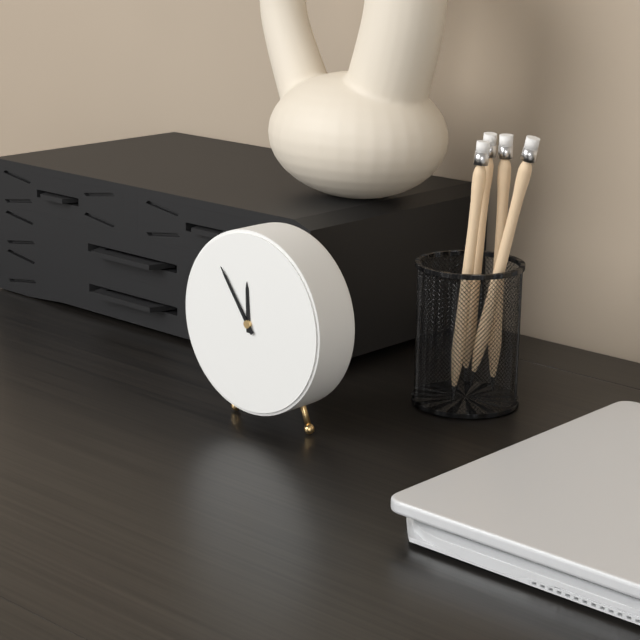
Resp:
**11:54**
